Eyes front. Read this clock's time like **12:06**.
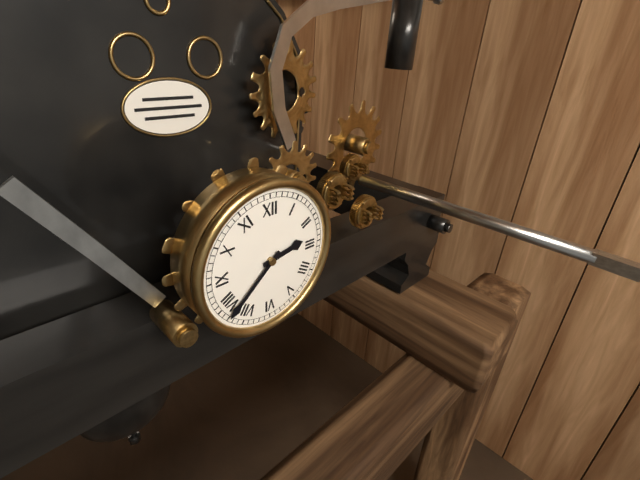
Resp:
**2:38**
